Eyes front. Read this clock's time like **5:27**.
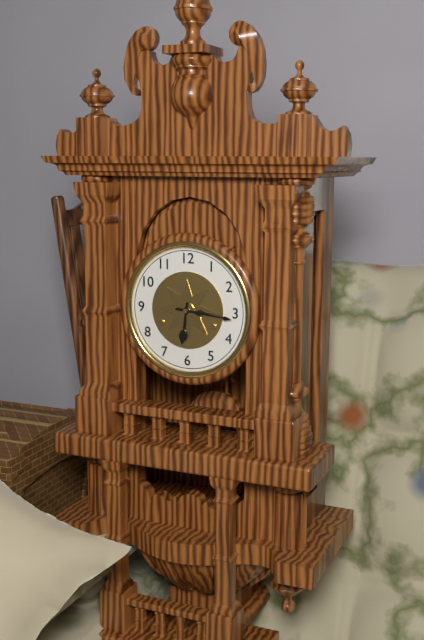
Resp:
**6:16**
